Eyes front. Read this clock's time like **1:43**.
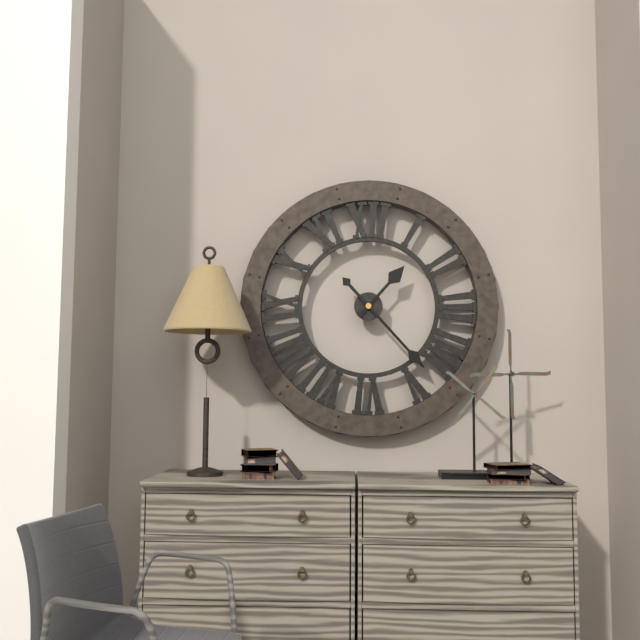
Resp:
**1:23**
